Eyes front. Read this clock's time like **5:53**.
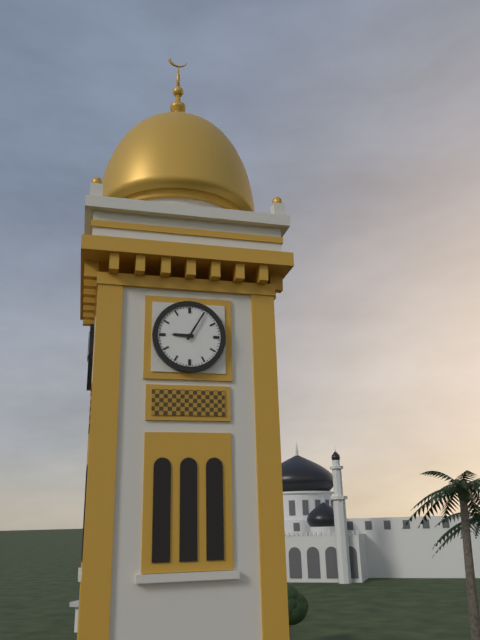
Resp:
**9:05**
